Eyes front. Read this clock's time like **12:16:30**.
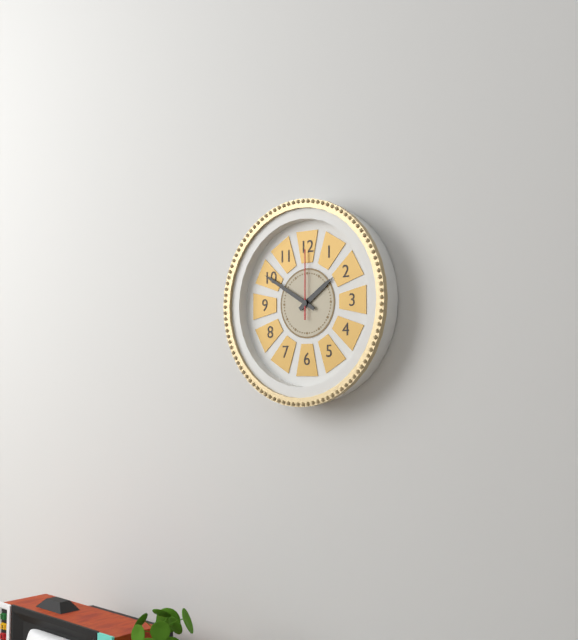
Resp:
**1:50:00**
